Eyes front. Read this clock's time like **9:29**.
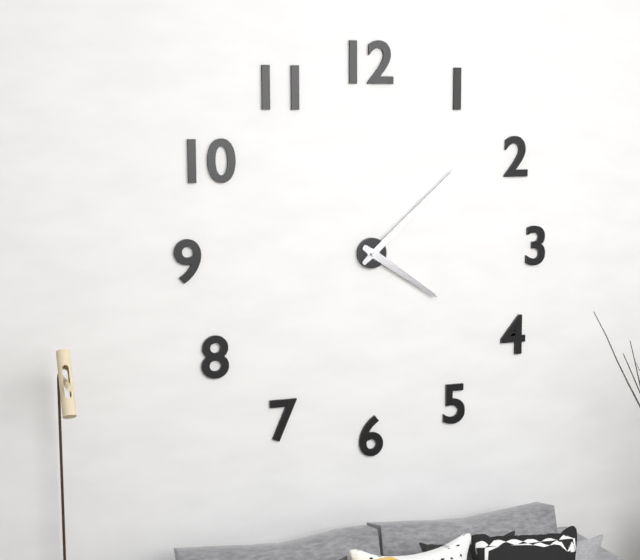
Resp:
**4:08**
